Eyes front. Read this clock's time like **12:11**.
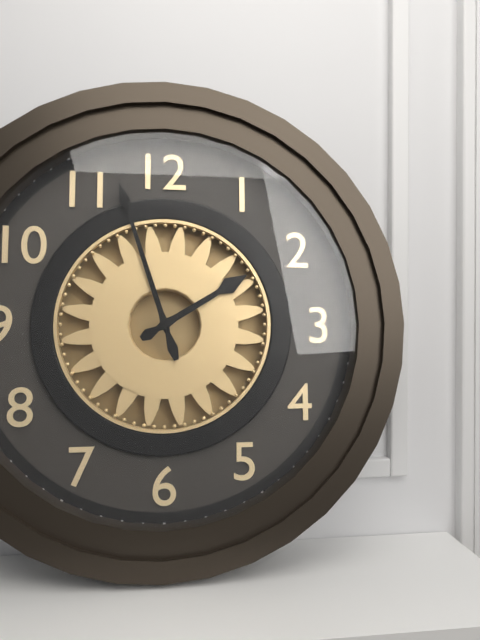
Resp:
**1:57**
